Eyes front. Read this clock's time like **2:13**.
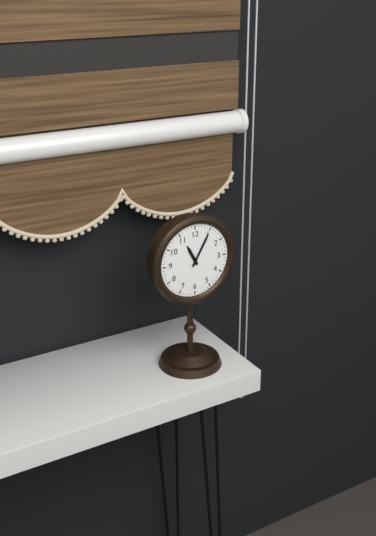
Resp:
**11:05**
